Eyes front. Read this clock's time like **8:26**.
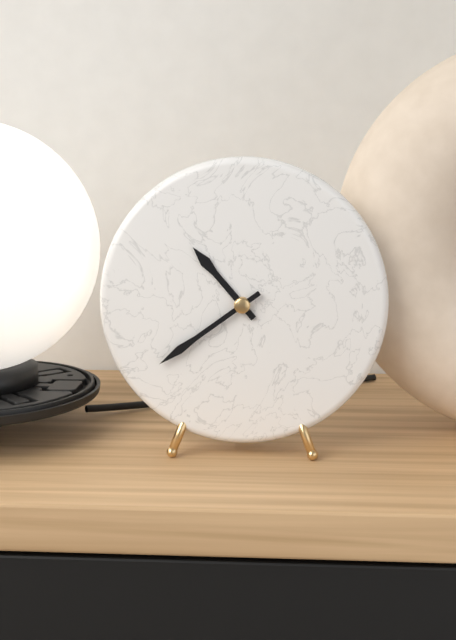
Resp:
**10:39**
